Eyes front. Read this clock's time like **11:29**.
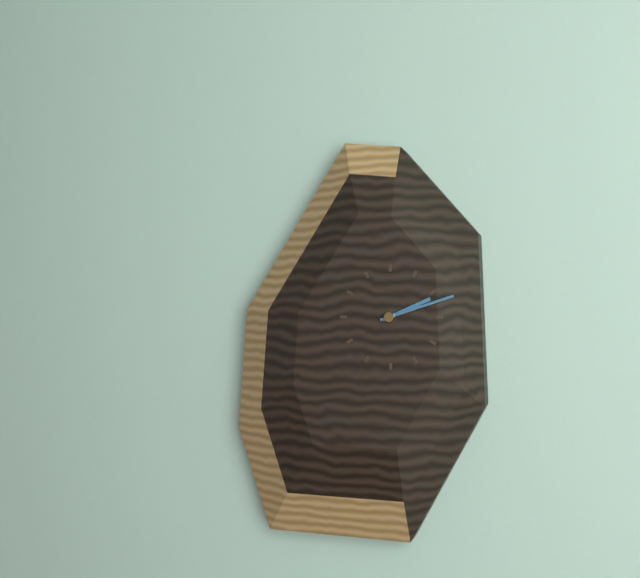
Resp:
**2:12**
